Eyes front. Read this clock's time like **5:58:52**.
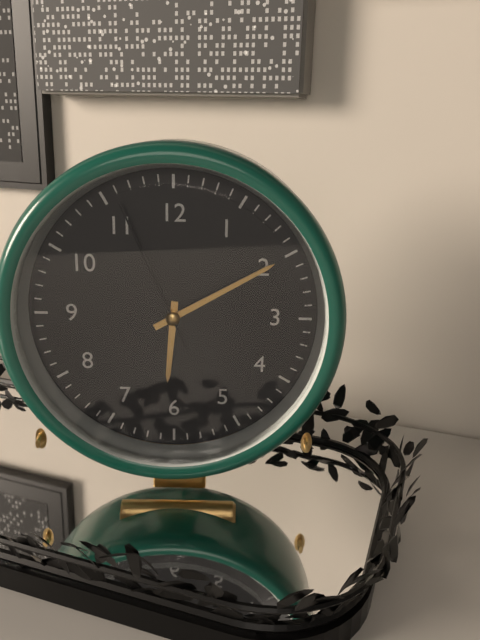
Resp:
**6:10:56**
